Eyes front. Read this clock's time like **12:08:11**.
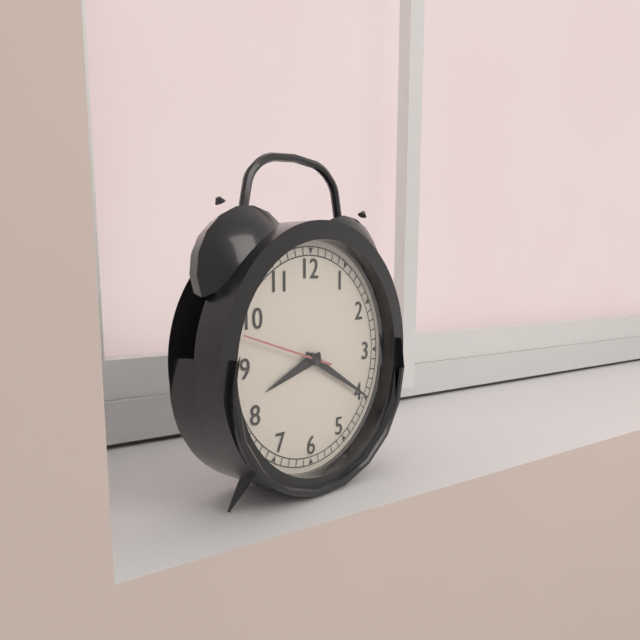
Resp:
**8:20:48**
